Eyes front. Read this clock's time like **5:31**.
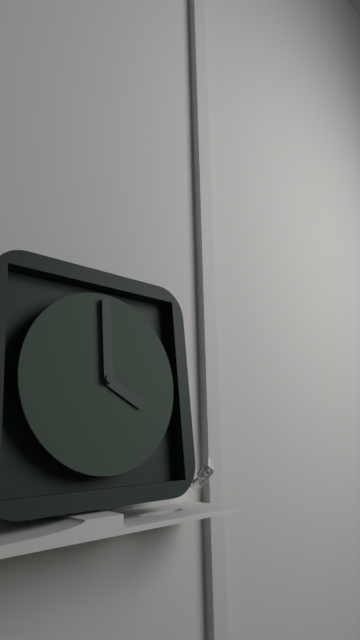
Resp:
**4:00**
